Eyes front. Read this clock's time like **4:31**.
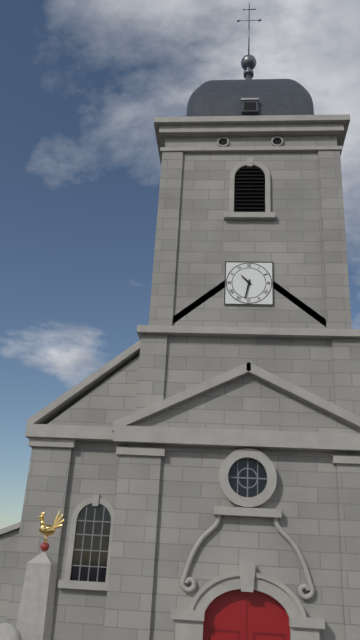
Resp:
**10:32**
